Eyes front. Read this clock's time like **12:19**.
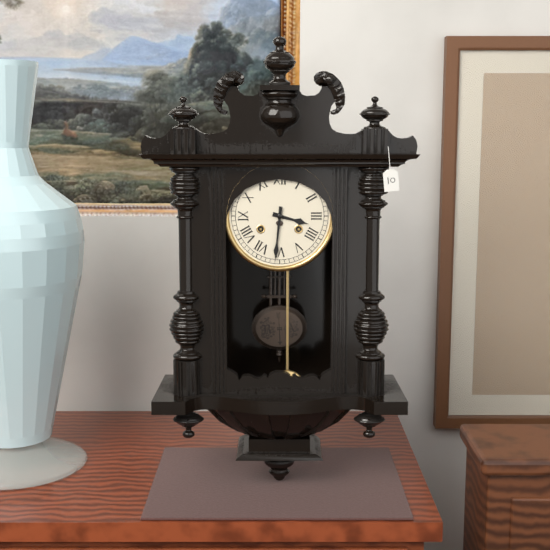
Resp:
**3:31**
